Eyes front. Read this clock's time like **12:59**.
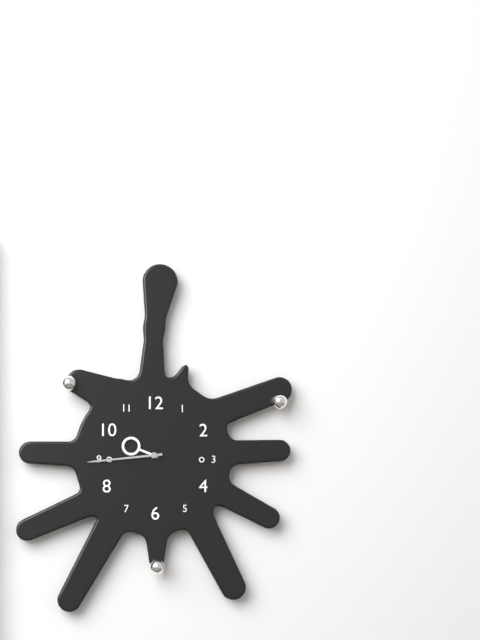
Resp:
**9:44**
